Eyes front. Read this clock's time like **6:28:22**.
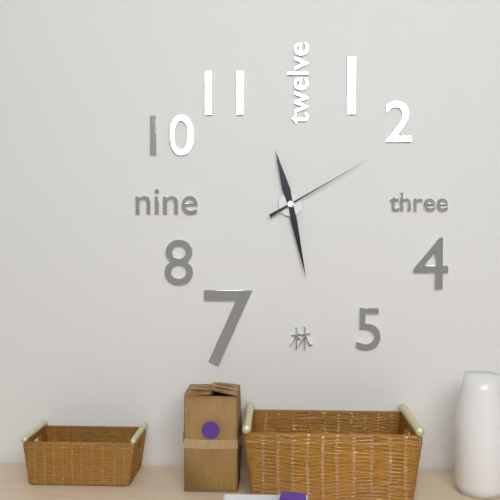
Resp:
**11:28:10**
